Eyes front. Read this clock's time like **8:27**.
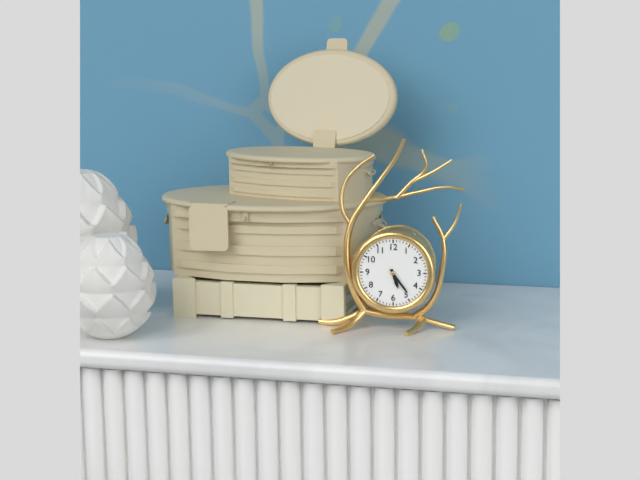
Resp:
**5:24**
